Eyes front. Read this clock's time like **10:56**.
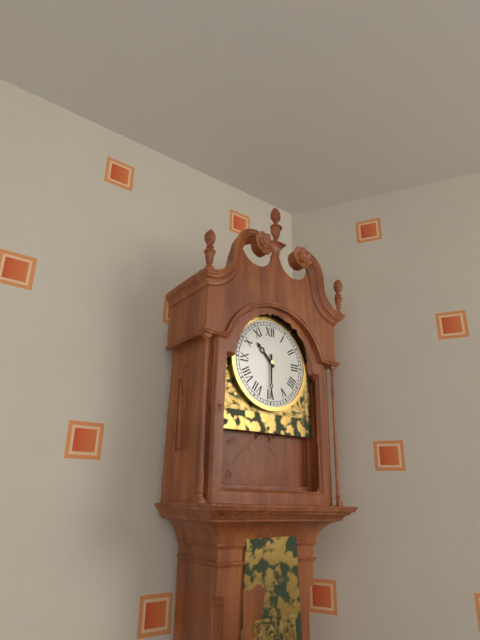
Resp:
**10:30**
